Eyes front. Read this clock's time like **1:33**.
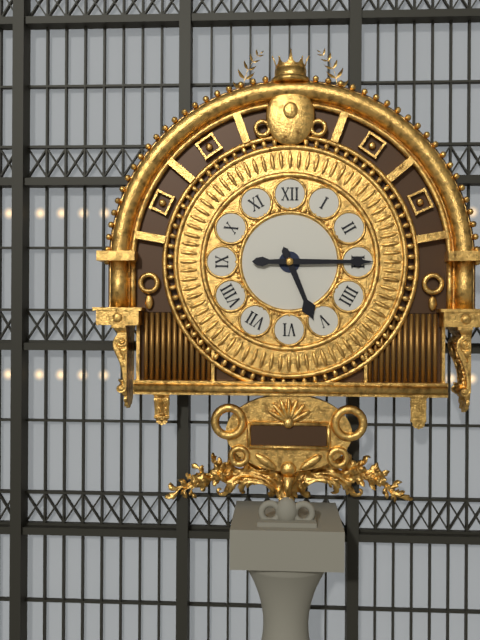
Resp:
**5:15**
